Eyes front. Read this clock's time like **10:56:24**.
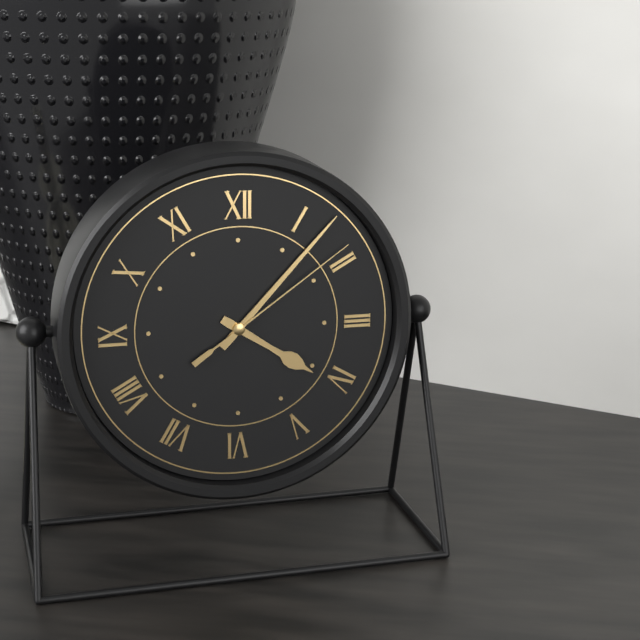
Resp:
**4:07:09**
